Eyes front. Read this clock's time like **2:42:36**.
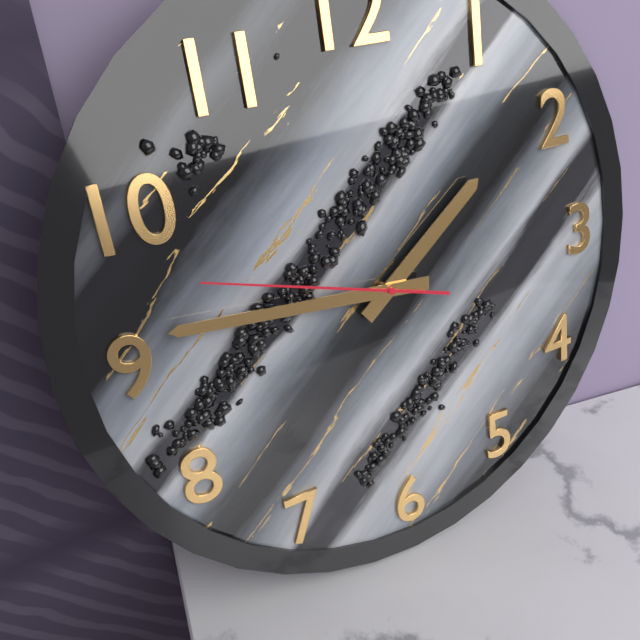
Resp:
**1:46:48**
